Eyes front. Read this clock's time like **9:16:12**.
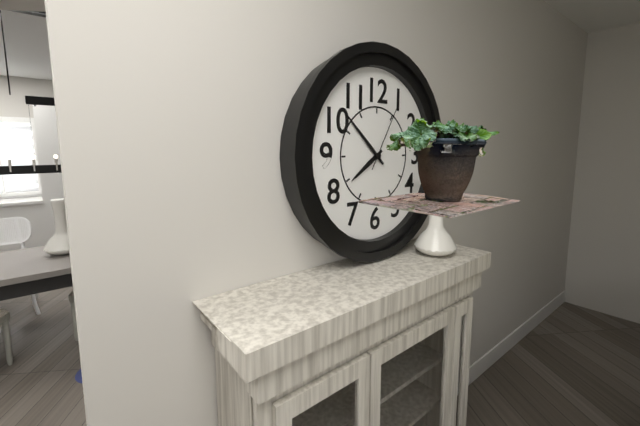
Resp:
**7:52:05**
